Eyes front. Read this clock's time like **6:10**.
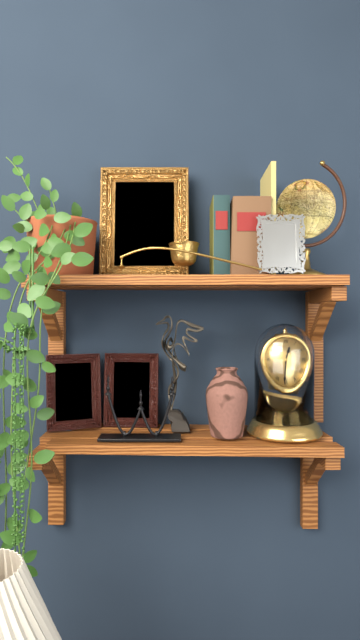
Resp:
**12:31**
